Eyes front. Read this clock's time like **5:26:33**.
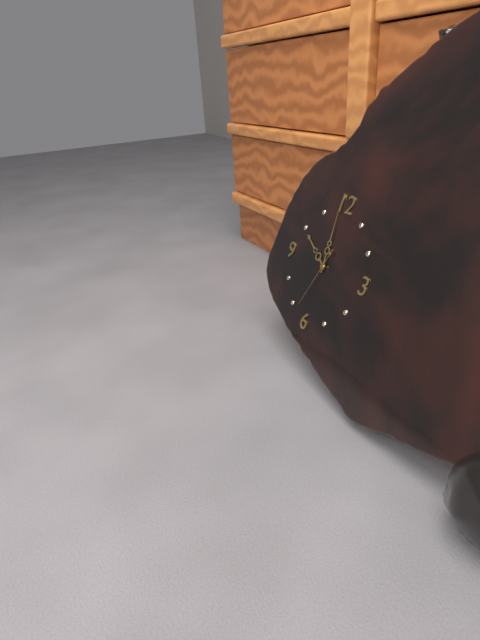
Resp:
**9:59:33**
